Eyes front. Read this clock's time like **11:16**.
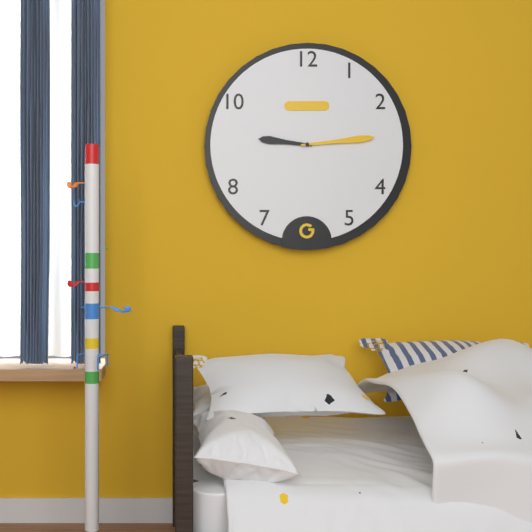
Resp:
**9:14**
